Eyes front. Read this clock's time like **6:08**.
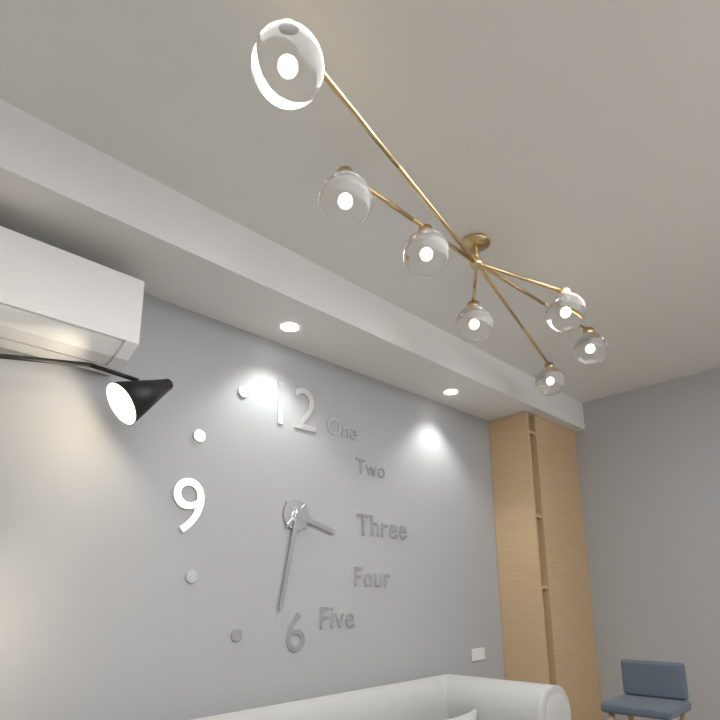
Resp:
**3:32**
